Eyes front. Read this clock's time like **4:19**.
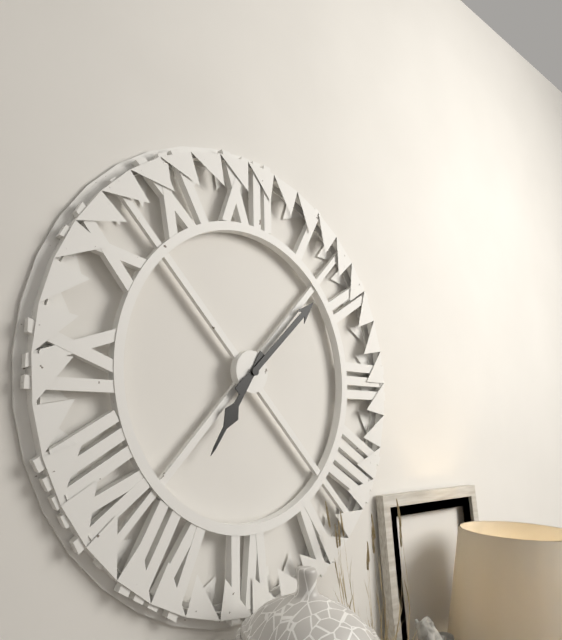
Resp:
**7:08**
